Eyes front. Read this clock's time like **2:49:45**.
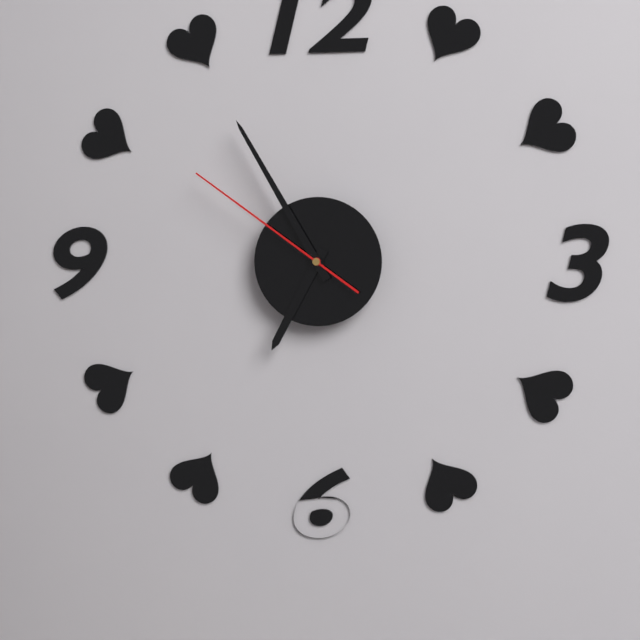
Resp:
**6:55:51**
